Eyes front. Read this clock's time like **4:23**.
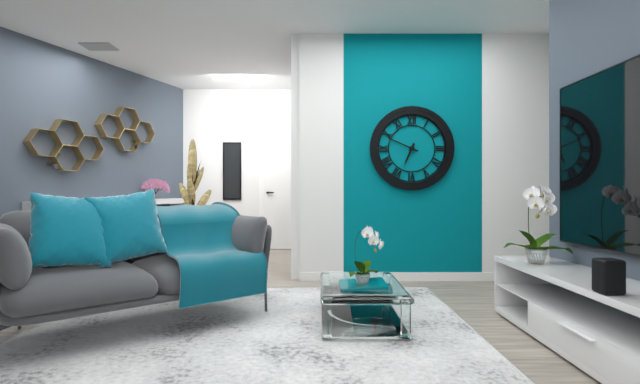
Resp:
**6:49**
